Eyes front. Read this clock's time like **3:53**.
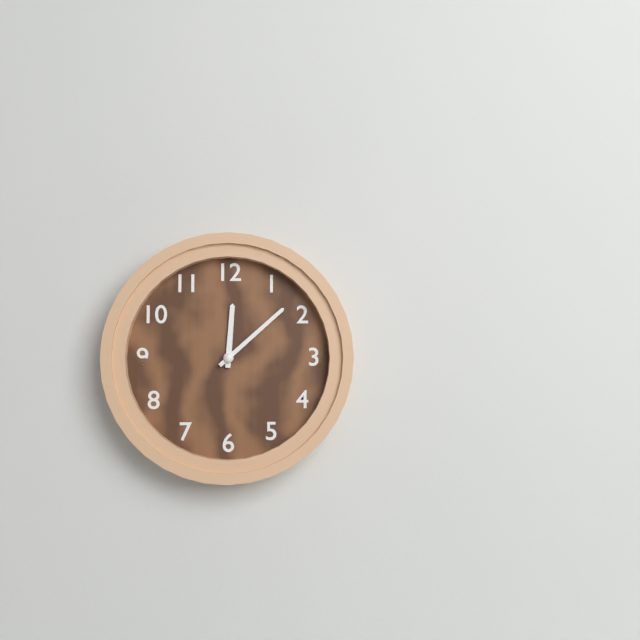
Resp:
**12:08**
